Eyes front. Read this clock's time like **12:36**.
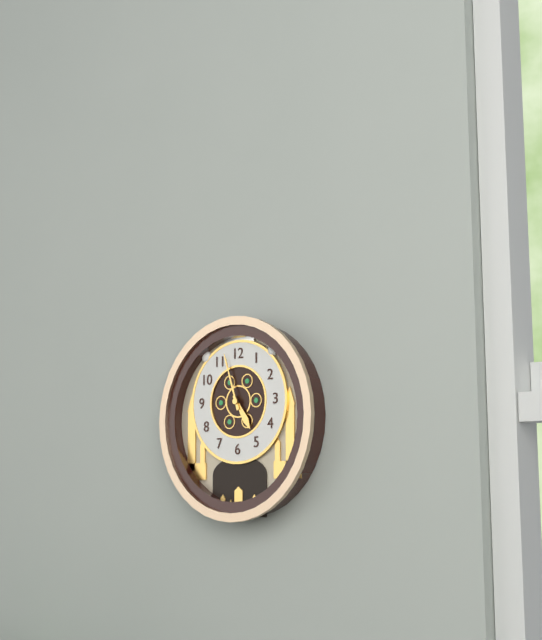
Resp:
**4:57**
